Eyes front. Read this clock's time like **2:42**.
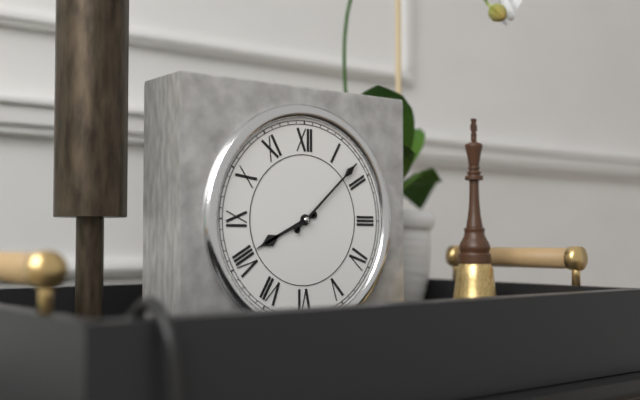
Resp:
**8:08**
